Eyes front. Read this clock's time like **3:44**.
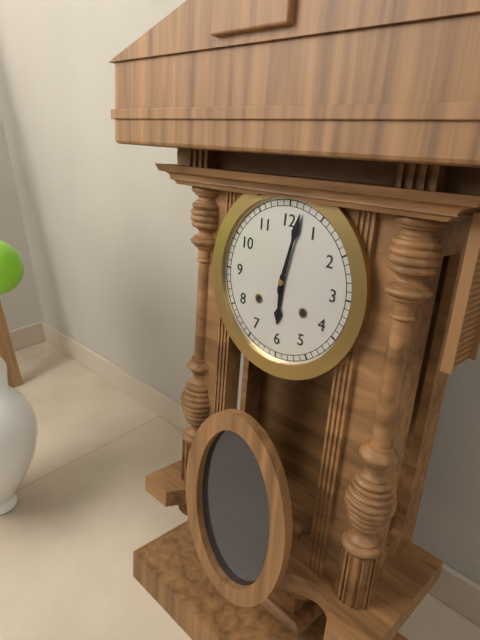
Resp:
**6:02**
